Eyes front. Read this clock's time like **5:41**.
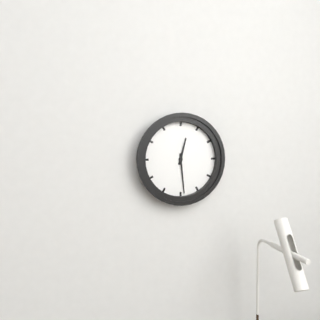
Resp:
**12:29**
